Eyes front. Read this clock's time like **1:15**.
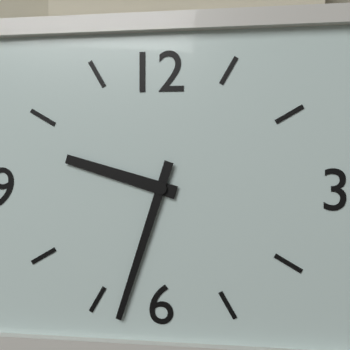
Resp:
**9:33**
